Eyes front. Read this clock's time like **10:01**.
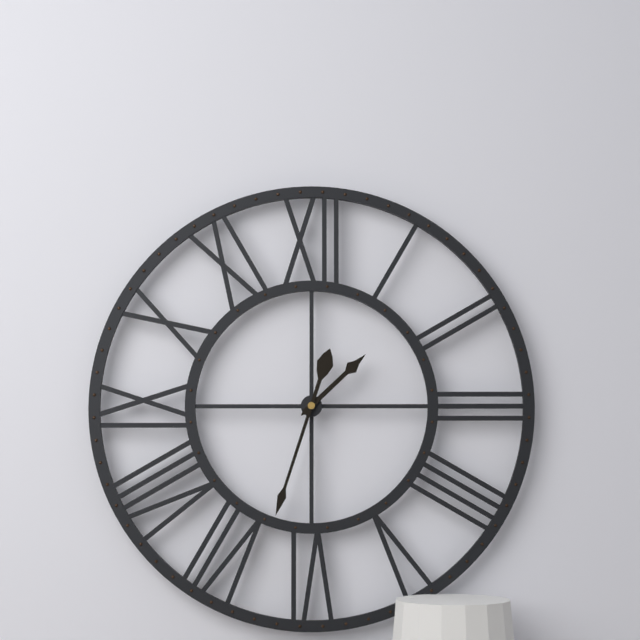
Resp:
**1:33**
